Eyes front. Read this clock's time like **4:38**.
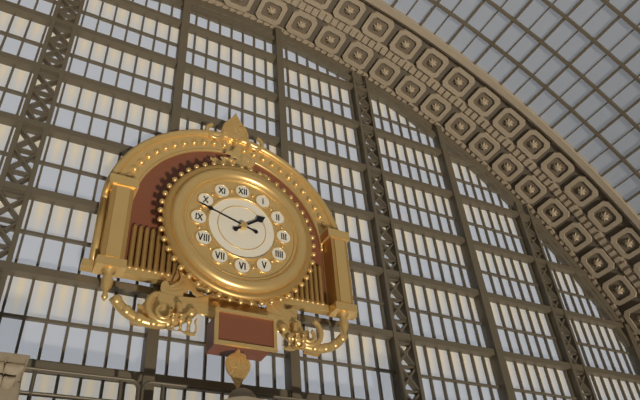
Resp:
**1:48**
